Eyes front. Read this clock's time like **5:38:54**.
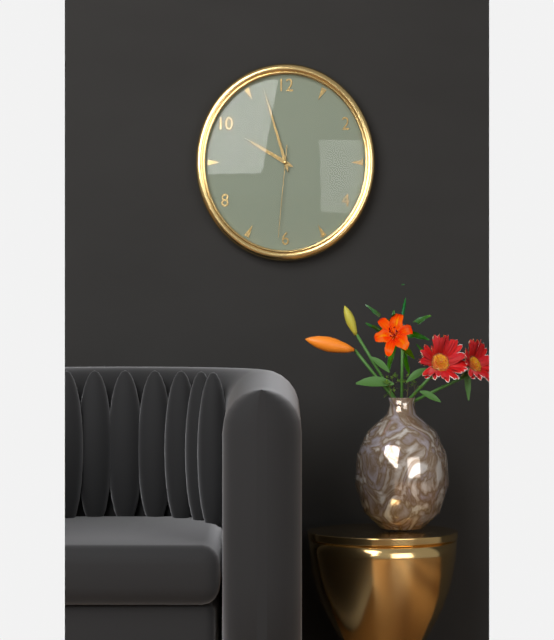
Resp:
**9:57:31**
